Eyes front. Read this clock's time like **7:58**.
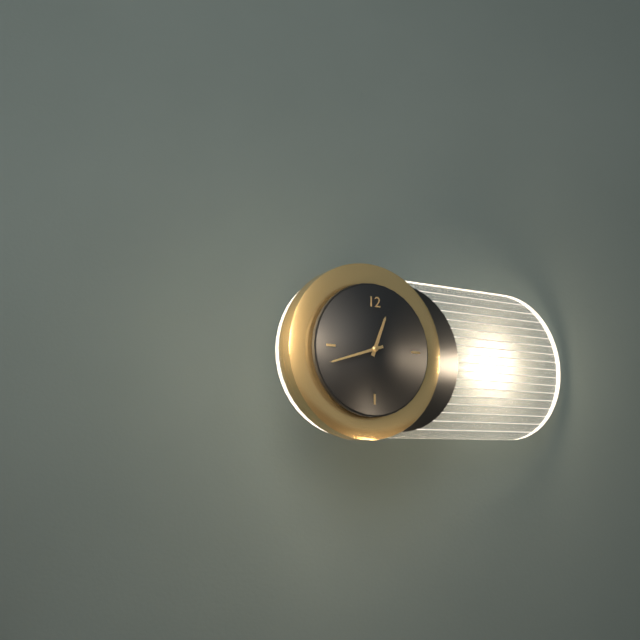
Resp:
**12:42**
